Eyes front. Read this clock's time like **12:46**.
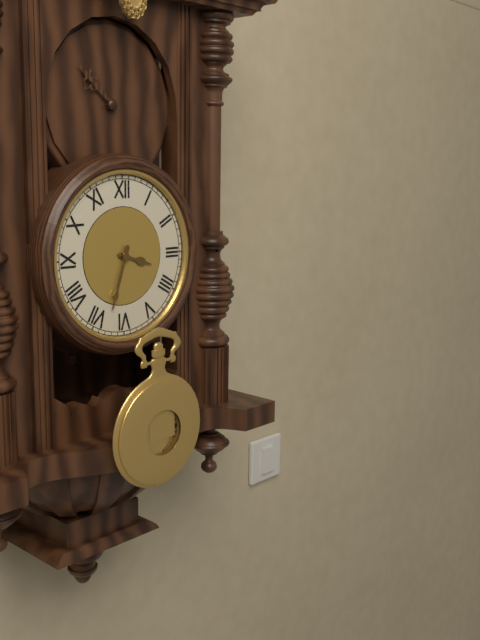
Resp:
**3:33**
